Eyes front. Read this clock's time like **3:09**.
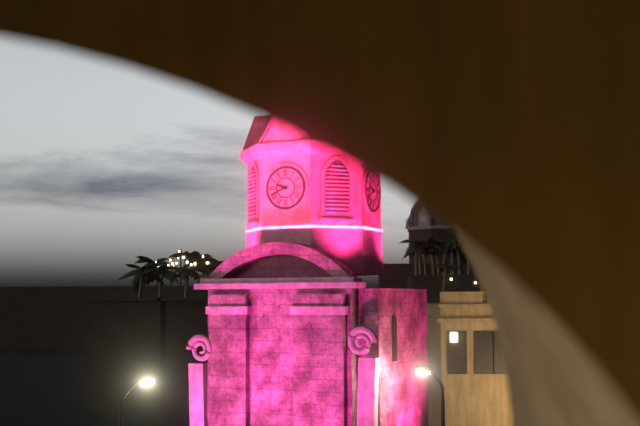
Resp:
**9:41**
